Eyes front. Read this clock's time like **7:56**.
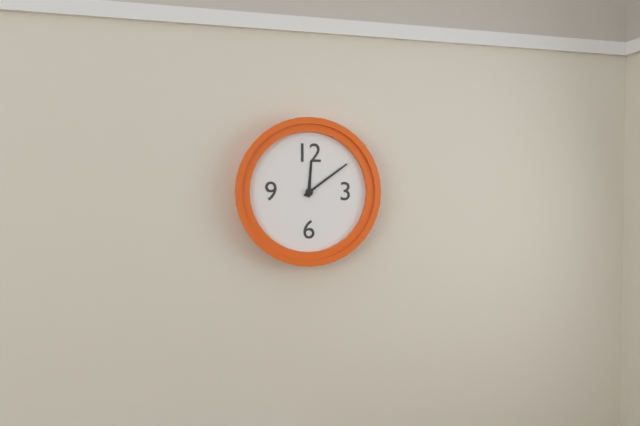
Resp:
**12:09**
